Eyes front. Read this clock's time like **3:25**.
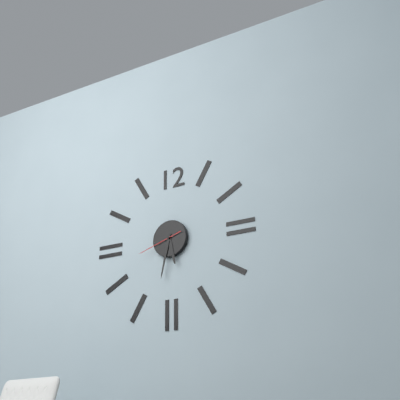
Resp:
**5:32**
